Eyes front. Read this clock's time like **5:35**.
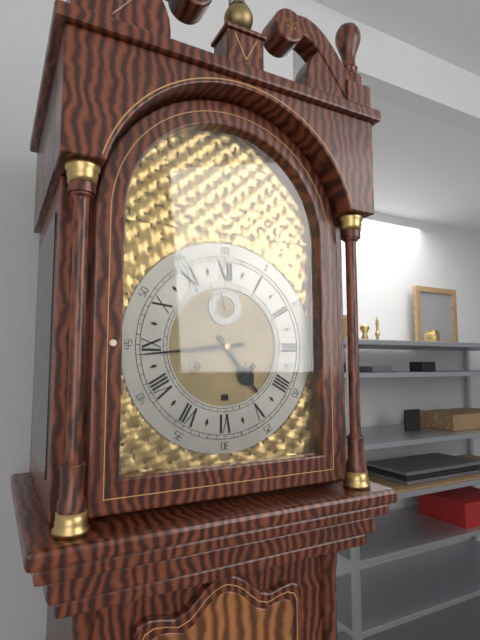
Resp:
**4:44**
